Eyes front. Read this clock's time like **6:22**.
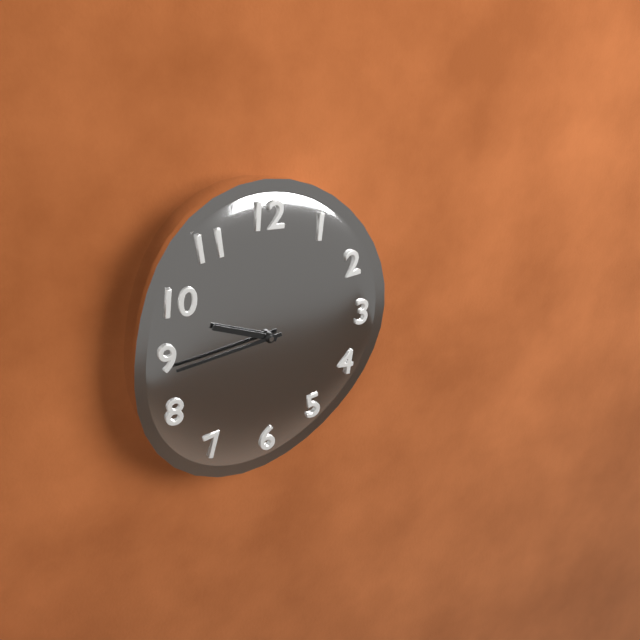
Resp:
**9:44**
